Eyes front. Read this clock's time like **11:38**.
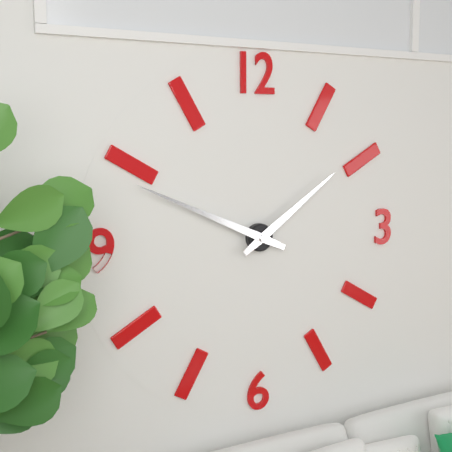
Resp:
**1:49**
